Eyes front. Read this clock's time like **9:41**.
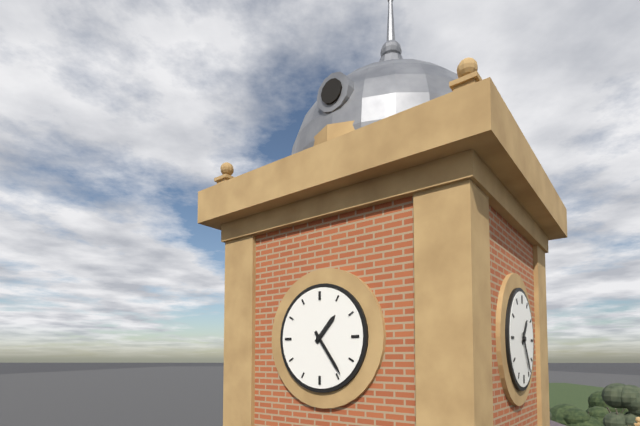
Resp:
**1:24**
